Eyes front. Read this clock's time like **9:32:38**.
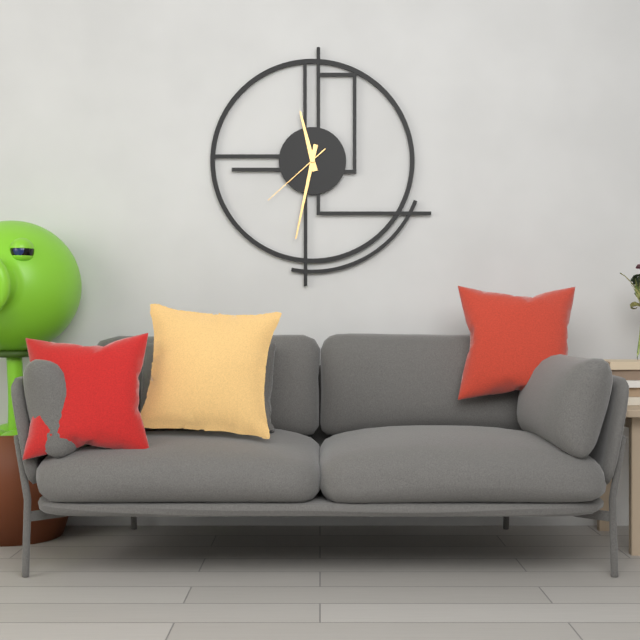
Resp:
**11:32:38**
